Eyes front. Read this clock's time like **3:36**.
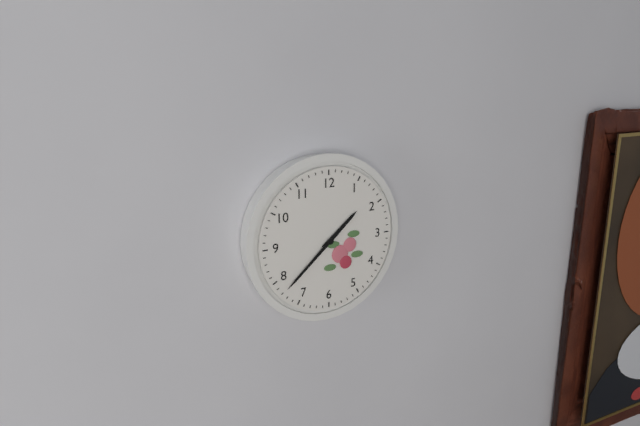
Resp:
**1:38**
